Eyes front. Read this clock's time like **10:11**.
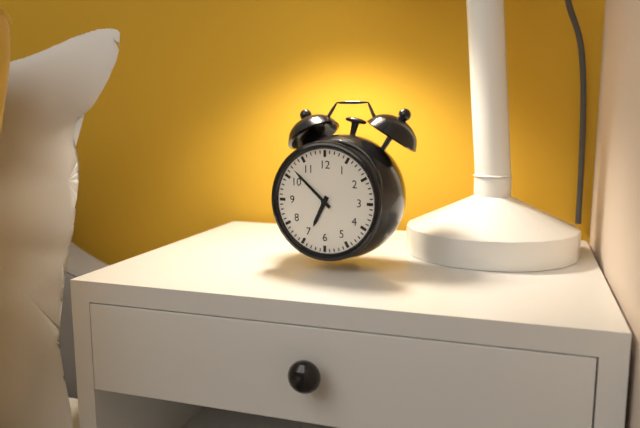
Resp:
**6:52**
